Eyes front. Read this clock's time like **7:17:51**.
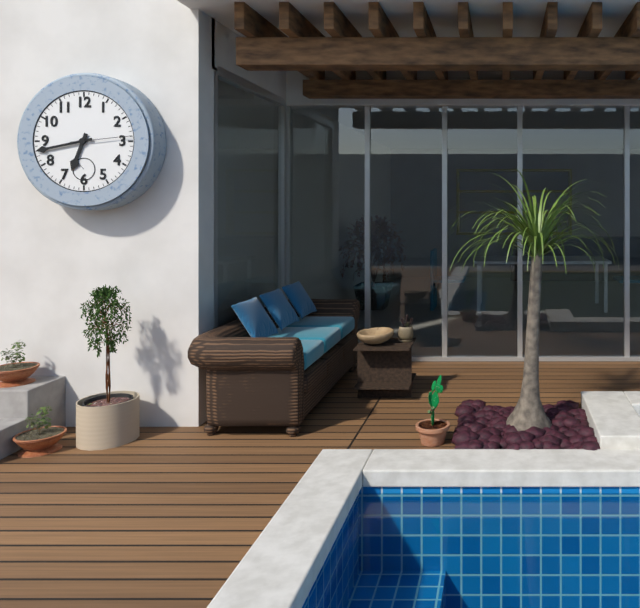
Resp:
**6:43:14**
